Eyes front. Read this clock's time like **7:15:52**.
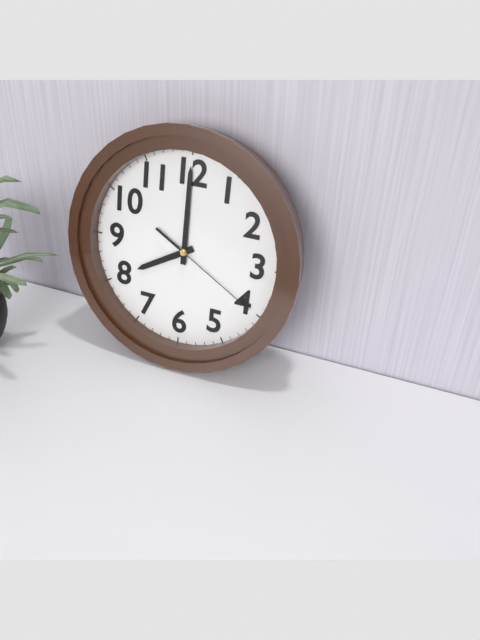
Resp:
**8:00:20**
